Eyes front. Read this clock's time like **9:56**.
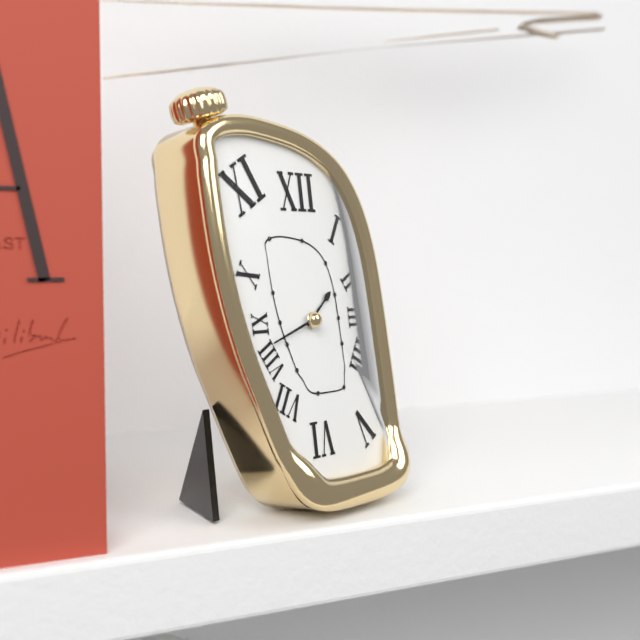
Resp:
**1:42**
